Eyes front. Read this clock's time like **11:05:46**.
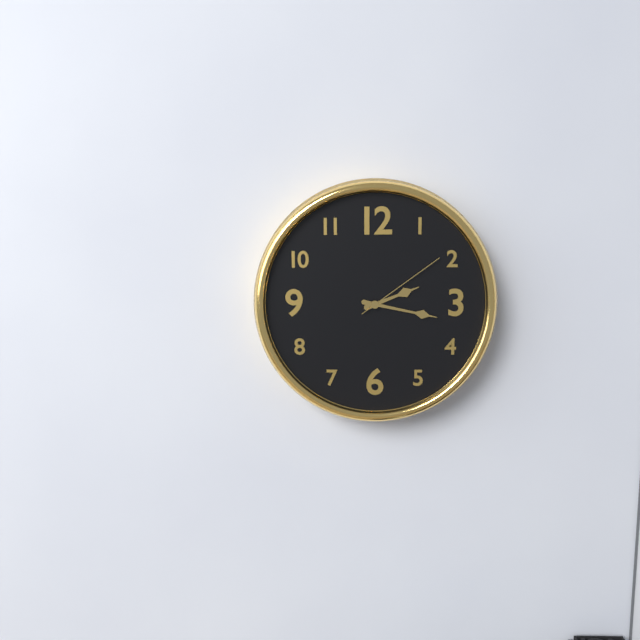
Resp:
**2:17:09**
